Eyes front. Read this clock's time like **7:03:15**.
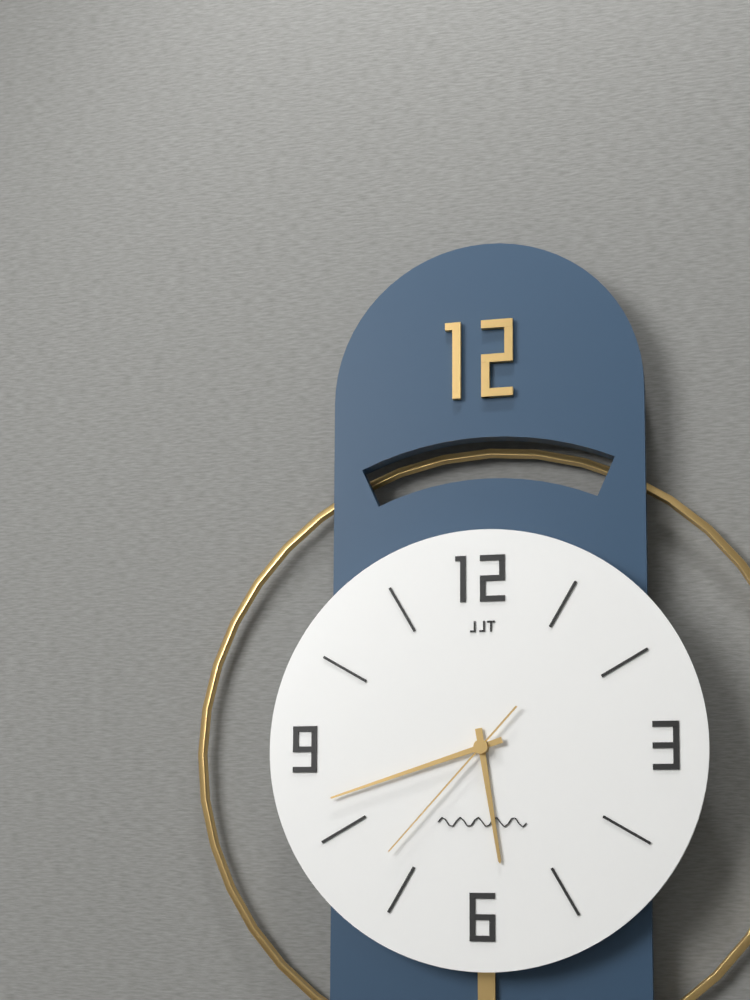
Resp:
**5:42:37**
